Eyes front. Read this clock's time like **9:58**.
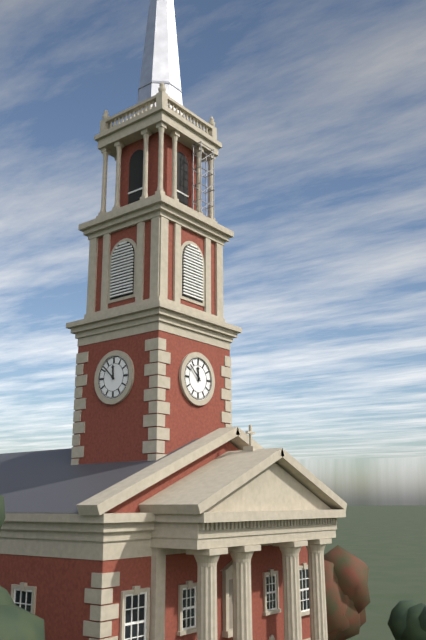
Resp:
**11:52**
